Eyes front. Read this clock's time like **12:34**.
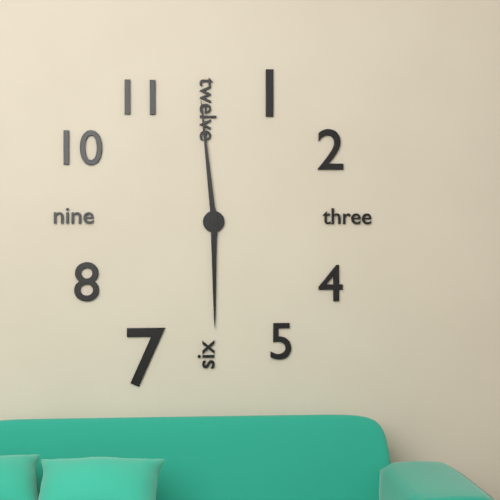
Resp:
**5:59**
